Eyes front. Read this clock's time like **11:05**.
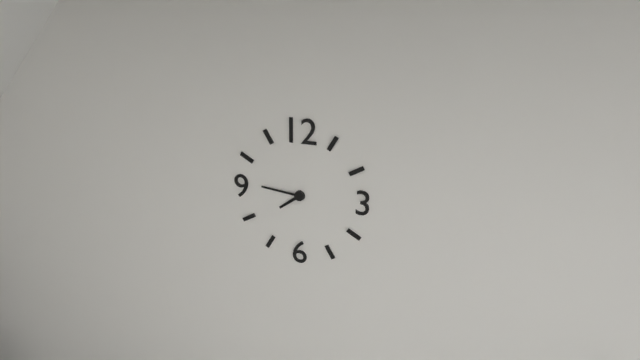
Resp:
**7:46**
